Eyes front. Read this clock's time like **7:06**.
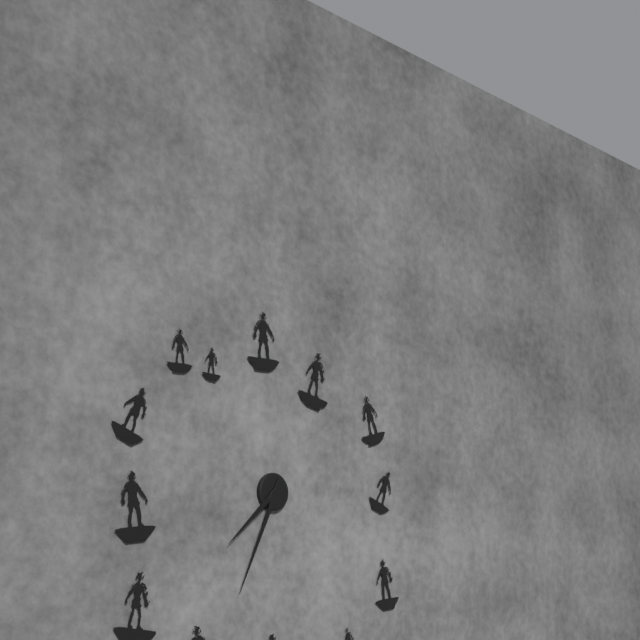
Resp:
**7:34**
